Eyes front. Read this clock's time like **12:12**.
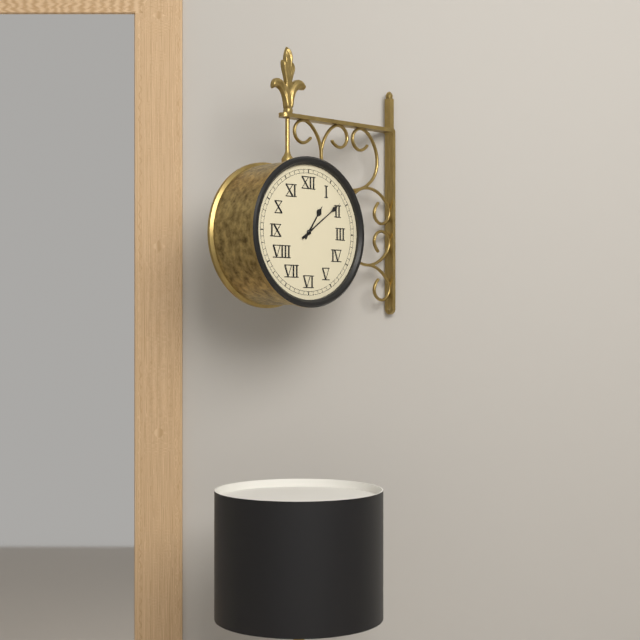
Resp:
**1:09**
